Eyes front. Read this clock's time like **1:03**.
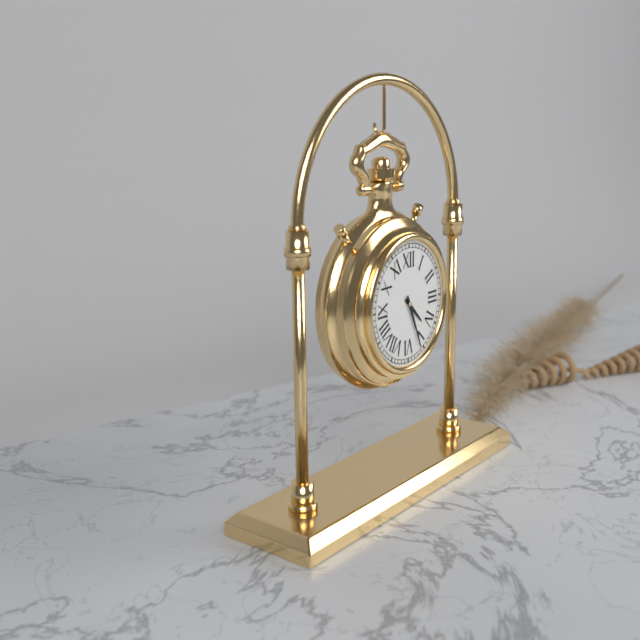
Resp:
**4:26**
